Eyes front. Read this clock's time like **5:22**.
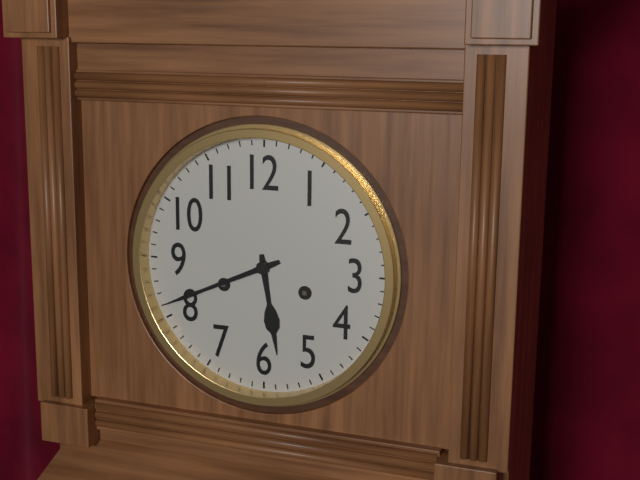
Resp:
**5:41**
